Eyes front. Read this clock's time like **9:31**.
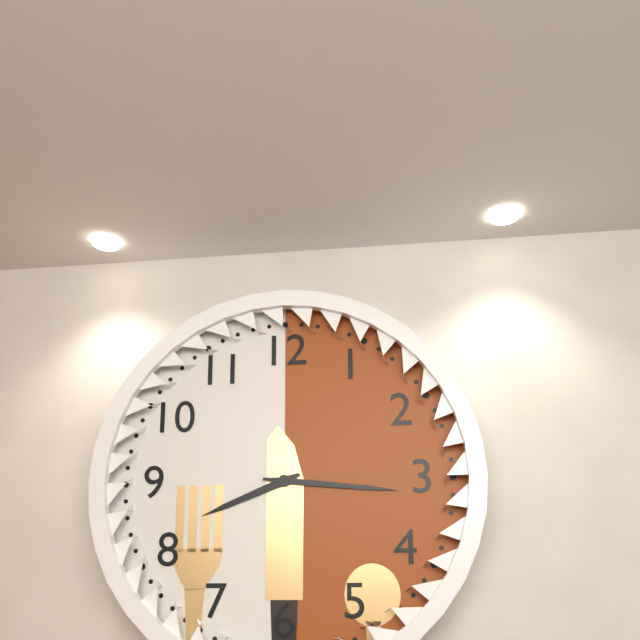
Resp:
**8:16**
